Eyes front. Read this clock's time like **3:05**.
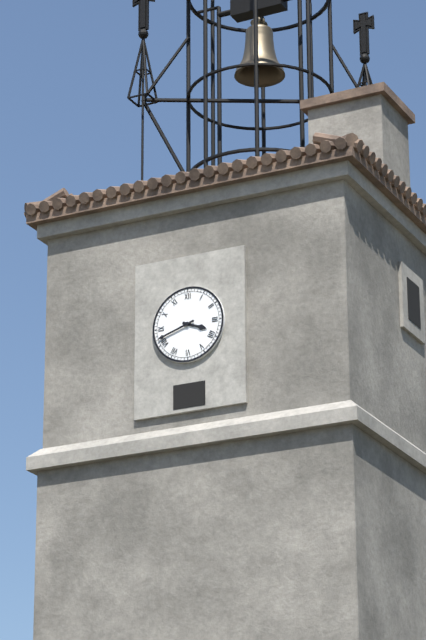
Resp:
**3:42**
